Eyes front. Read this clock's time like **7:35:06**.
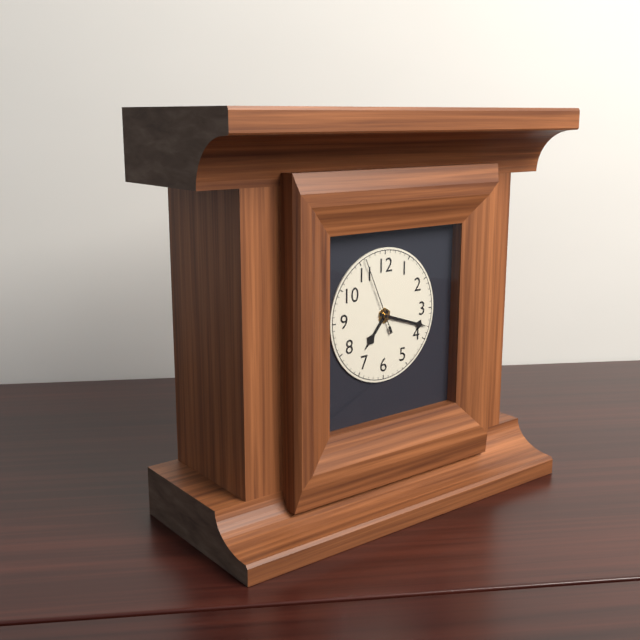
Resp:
**7:18:56**
